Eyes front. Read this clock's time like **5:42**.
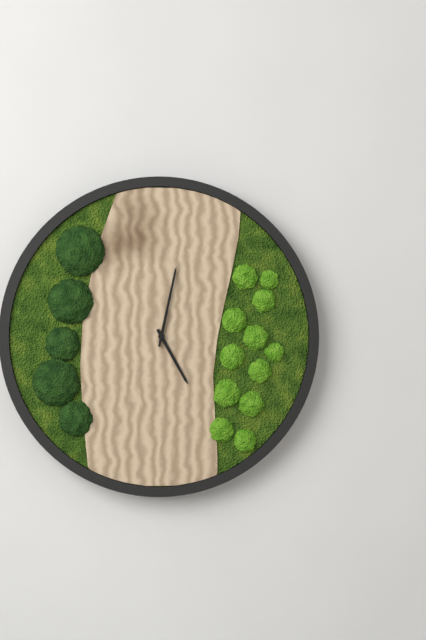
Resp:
**5:02**
